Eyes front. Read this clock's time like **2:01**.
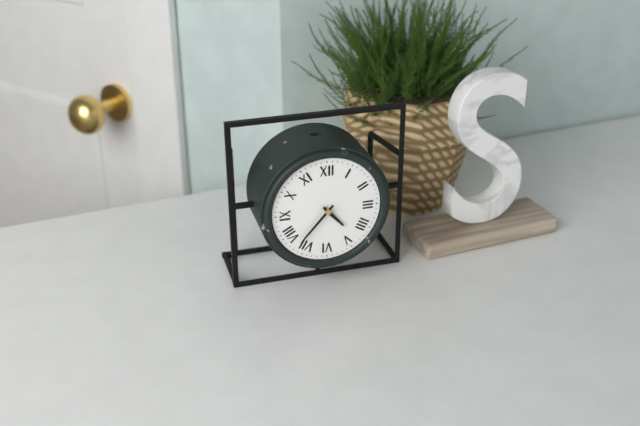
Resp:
**4:37**
